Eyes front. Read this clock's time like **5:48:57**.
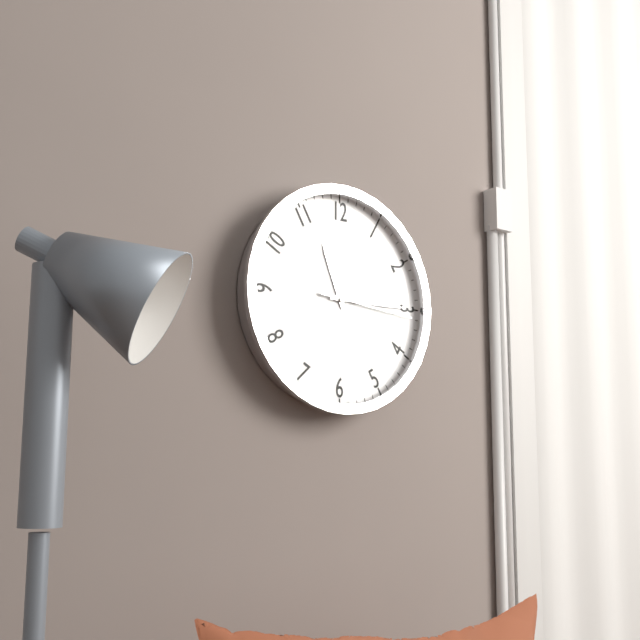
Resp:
**11:15:16**
